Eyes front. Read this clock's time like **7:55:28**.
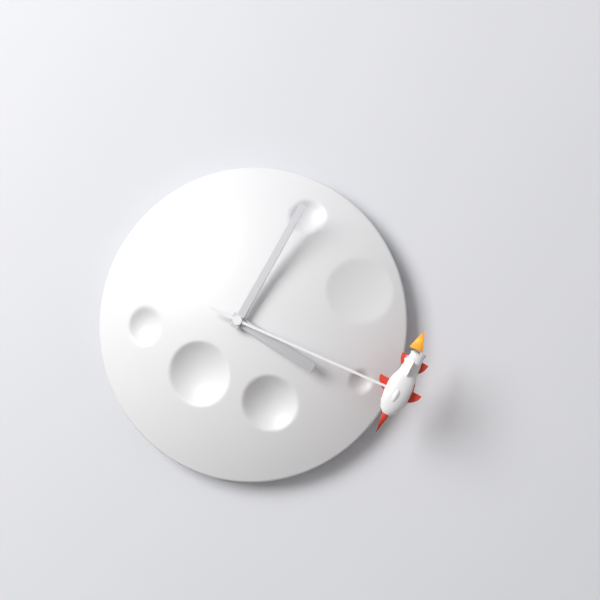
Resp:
**4:05:19**
